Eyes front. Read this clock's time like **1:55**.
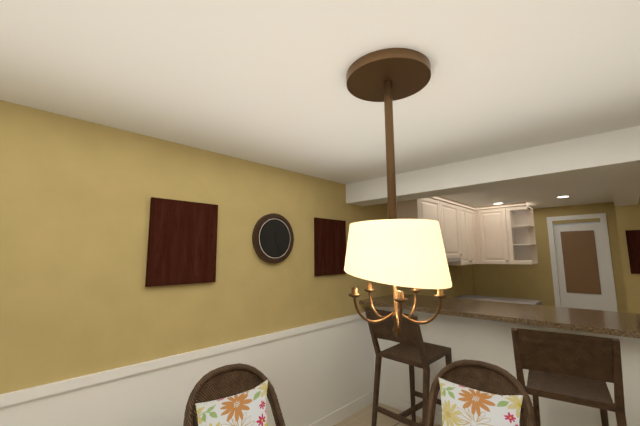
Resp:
**12:26**
